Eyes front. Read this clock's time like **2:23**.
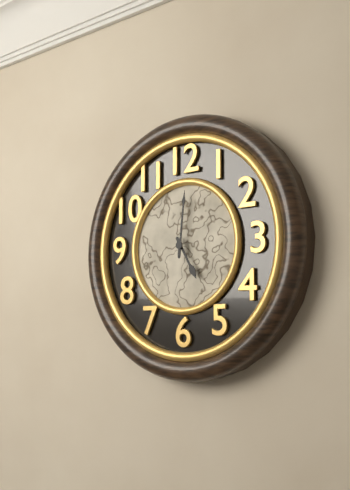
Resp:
**5:01**
